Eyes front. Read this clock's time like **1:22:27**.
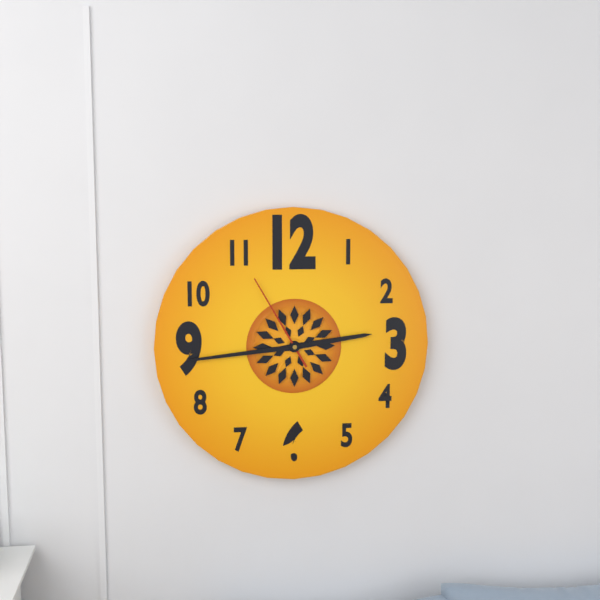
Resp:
**2:44:55**
